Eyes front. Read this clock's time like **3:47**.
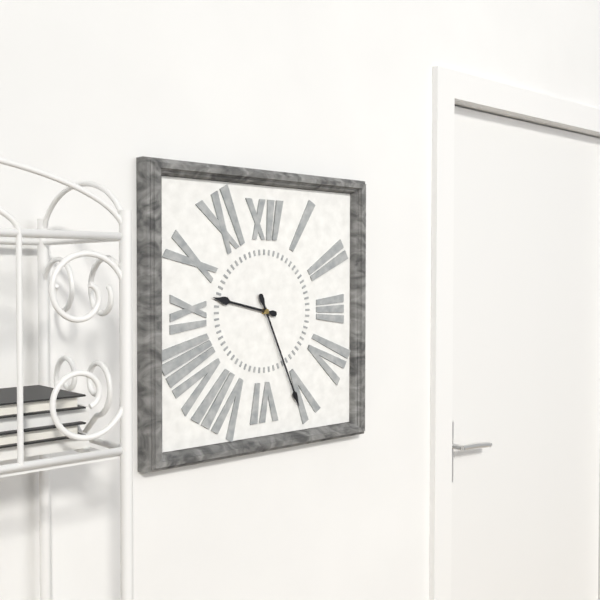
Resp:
**9:26**
